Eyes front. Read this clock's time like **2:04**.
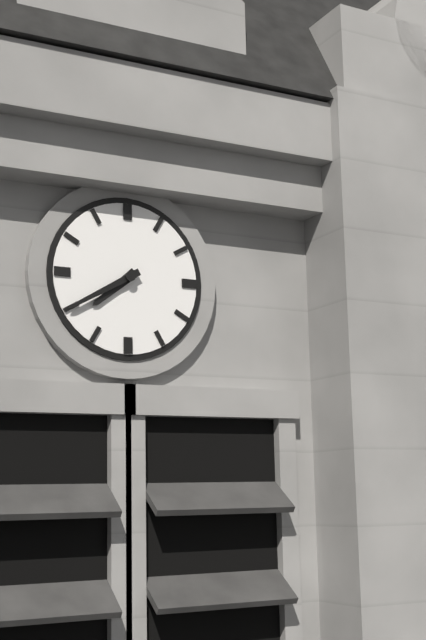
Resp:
**7:40**
